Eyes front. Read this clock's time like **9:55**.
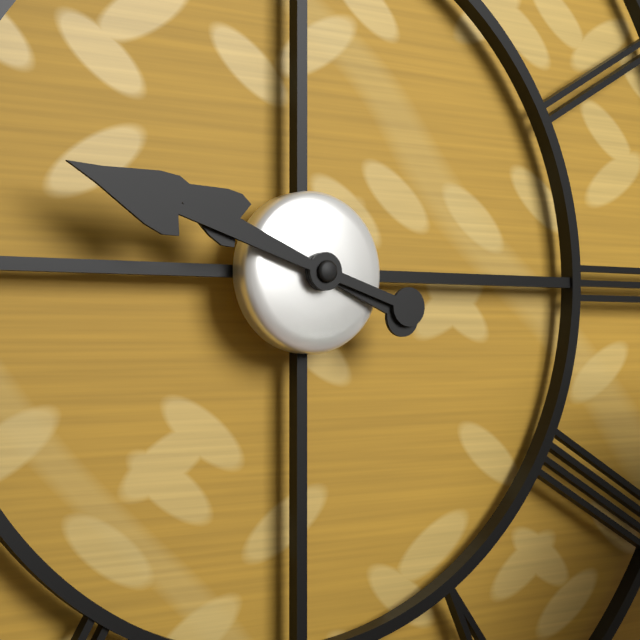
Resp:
**9:48**
